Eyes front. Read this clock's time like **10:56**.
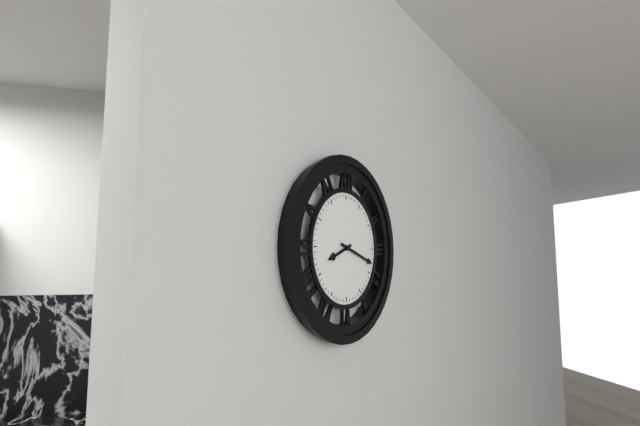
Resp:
**8:18**
